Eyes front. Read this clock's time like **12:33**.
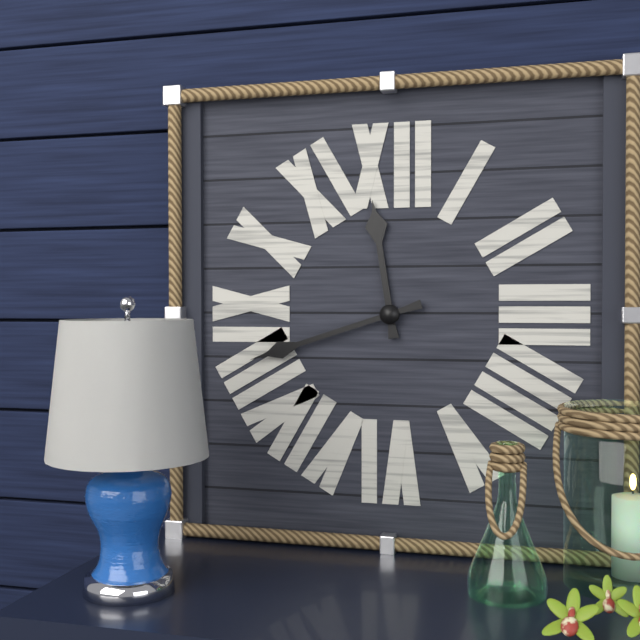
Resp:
**11:42**
